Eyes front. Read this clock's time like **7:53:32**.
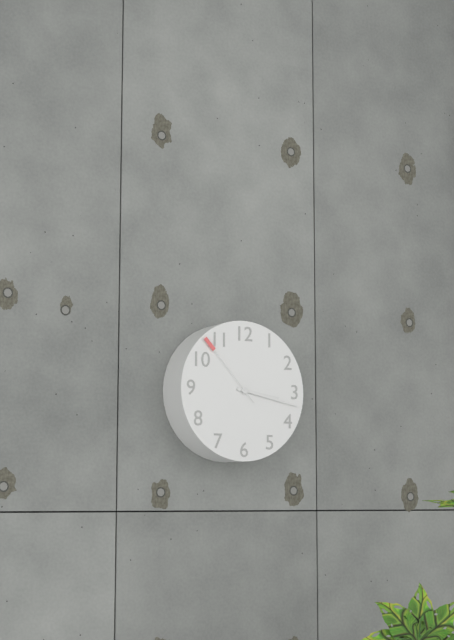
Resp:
**3:17:53**
